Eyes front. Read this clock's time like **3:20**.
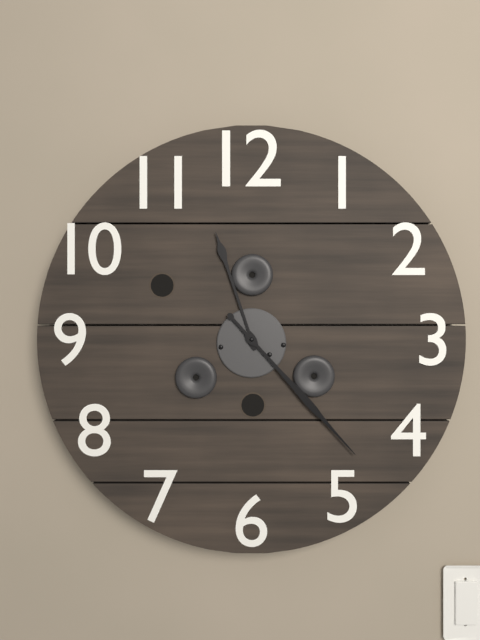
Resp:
**11:23**
